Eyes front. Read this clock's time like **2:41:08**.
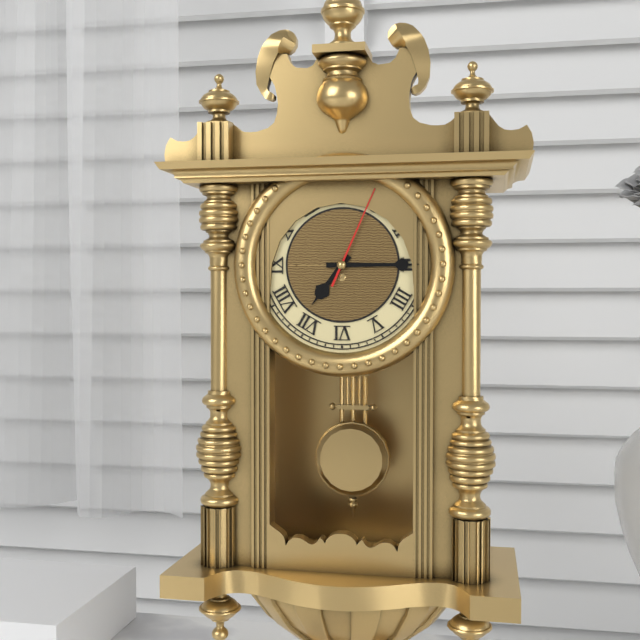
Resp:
**7:15:04**
